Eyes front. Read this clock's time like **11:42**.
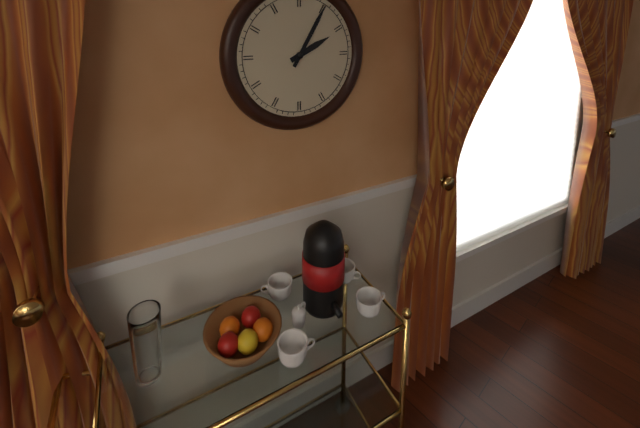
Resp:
**2:05**
